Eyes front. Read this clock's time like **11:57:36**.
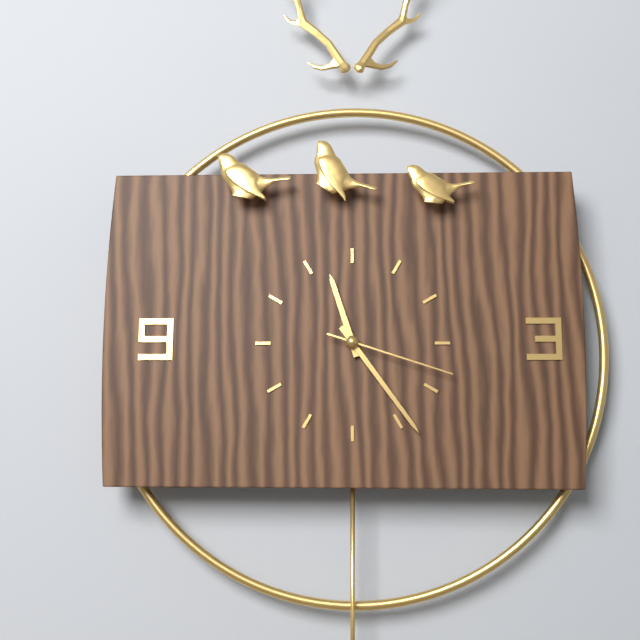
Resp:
**11:24:18**
